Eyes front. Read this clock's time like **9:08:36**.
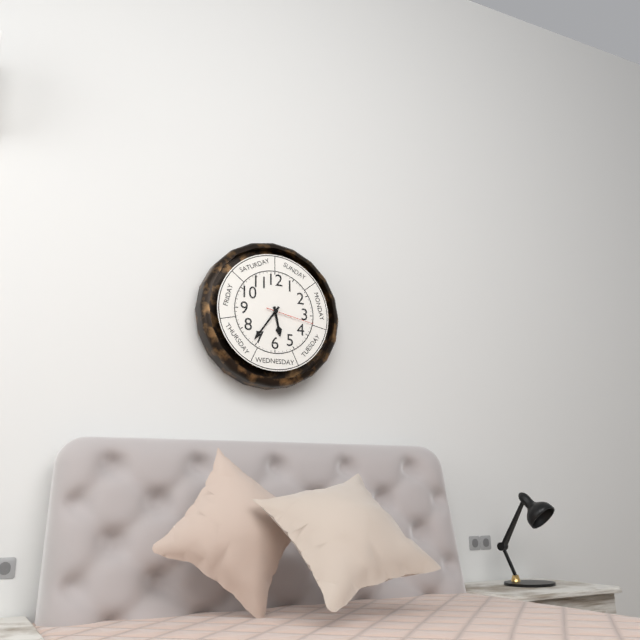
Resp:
**5:36:17**
